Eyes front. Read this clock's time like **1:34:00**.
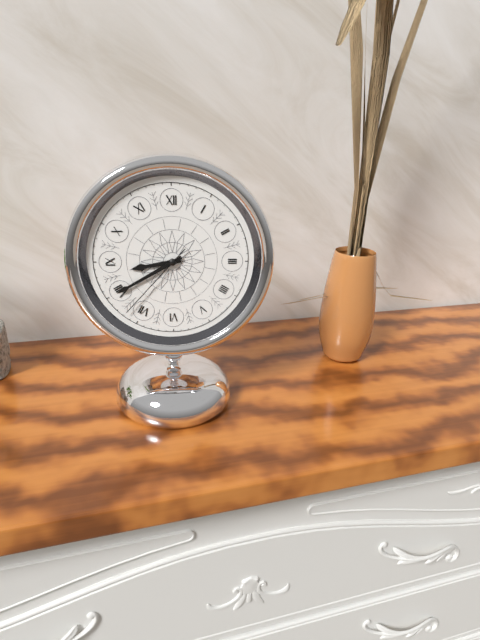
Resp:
**8:40:37**
